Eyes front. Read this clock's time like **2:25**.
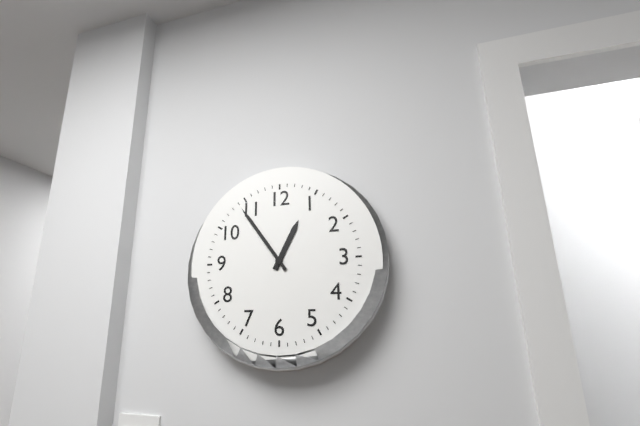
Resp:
**12:54**
